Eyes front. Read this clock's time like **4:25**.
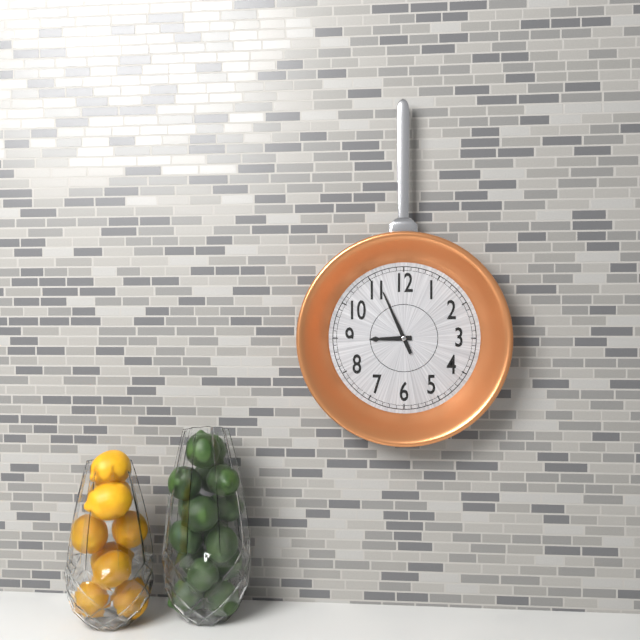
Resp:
**8:56**
